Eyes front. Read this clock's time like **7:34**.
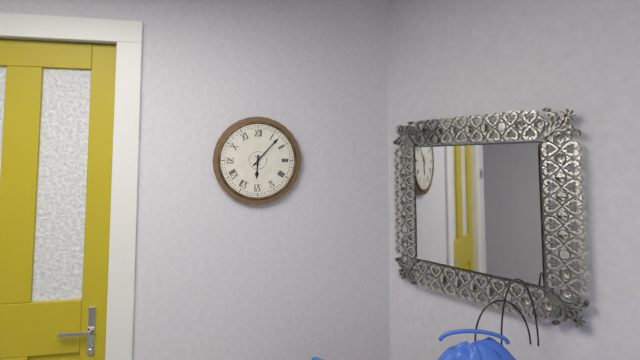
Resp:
**6:07**
